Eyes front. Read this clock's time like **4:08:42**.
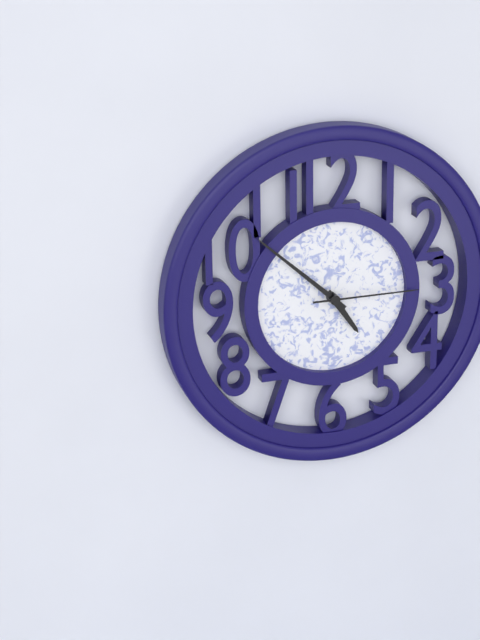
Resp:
**4:52:15**
